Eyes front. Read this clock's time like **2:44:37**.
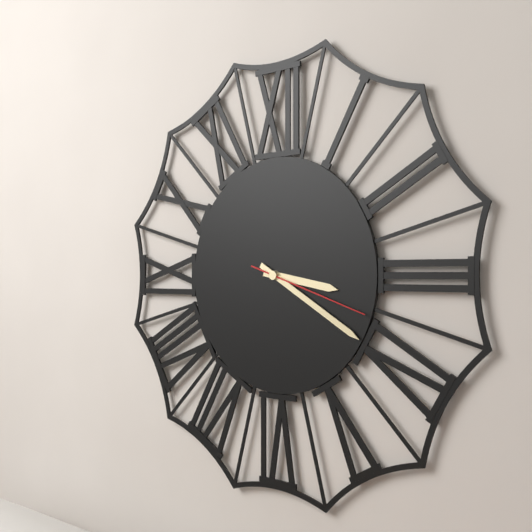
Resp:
**3:20:18**
